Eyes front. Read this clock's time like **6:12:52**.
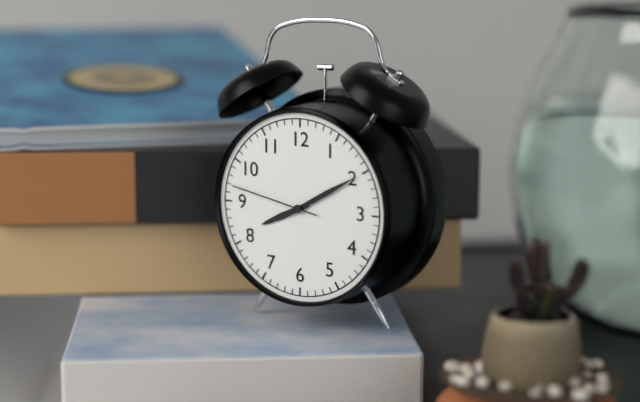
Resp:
**8:10:47**
